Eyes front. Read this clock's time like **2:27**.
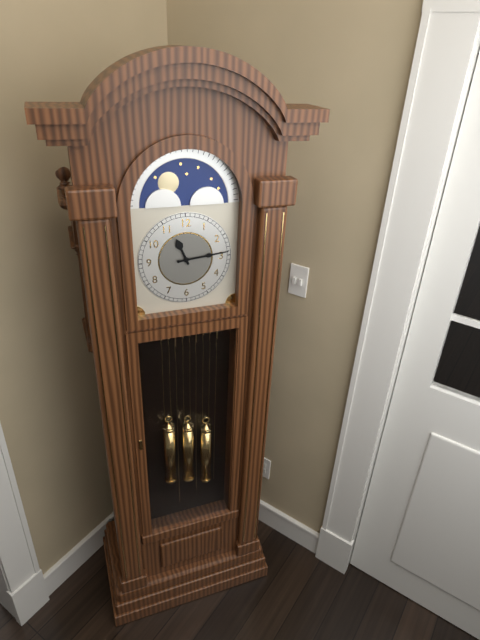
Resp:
**11:14**
